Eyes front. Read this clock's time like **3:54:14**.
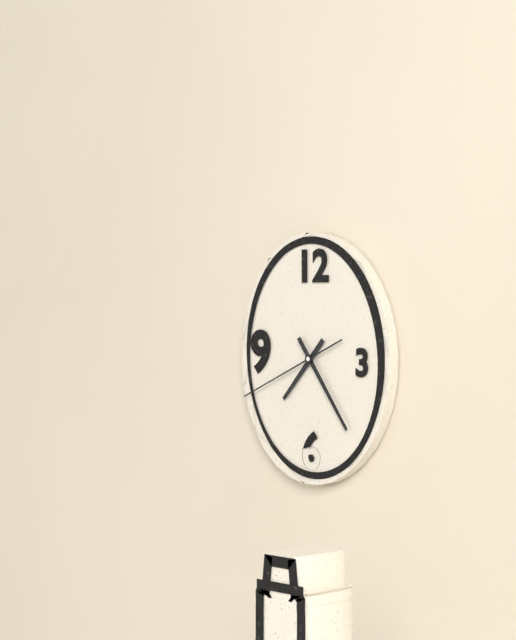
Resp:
**7:24:41**
